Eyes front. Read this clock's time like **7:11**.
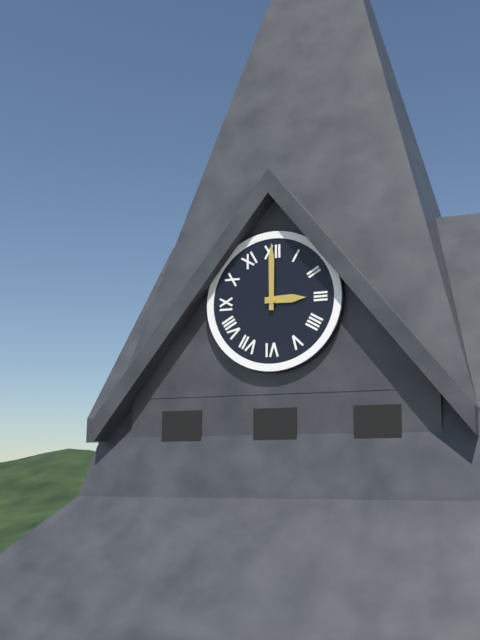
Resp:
**3:00**
